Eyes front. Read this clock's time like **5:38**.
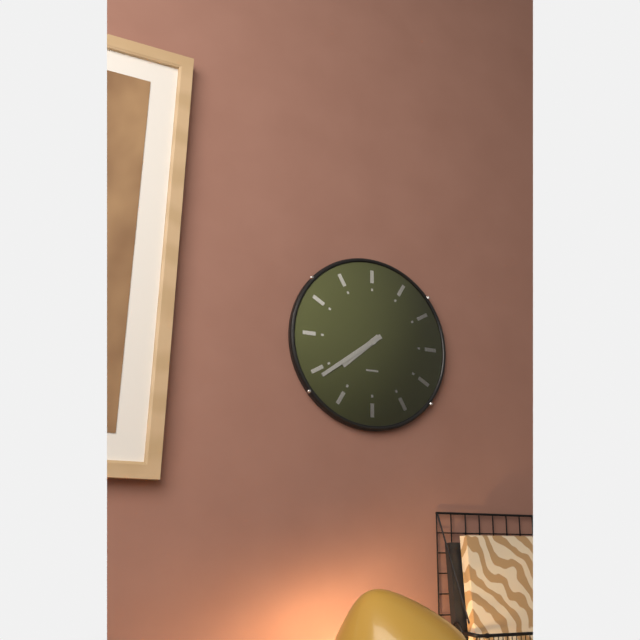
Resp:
**7:39**
